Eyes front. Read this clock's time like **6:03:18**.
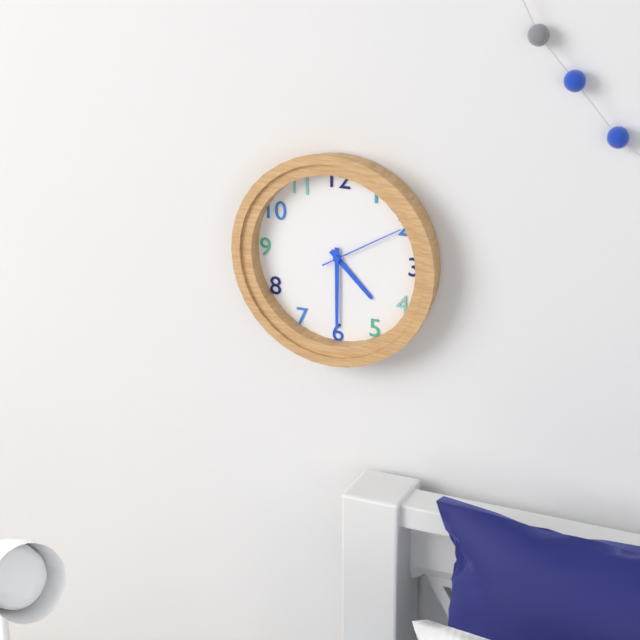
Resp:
**4:30:10**
